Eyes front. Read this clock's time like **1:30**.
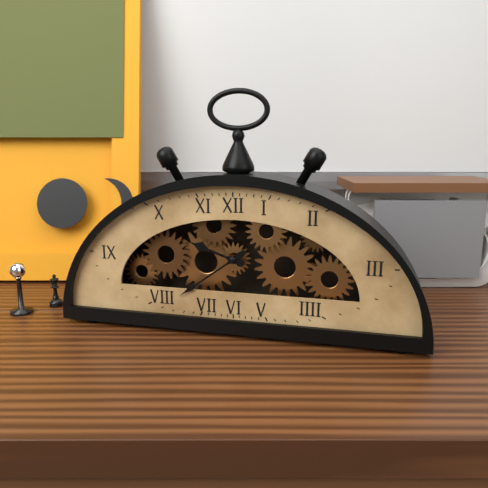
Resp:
**9:39**
